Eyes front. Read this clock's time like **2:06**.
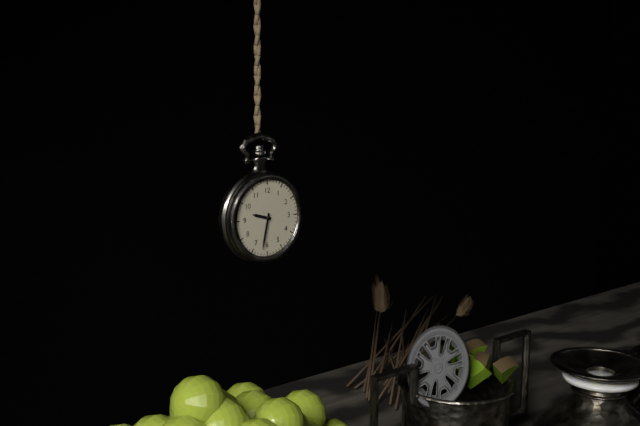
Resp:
**9:32**
